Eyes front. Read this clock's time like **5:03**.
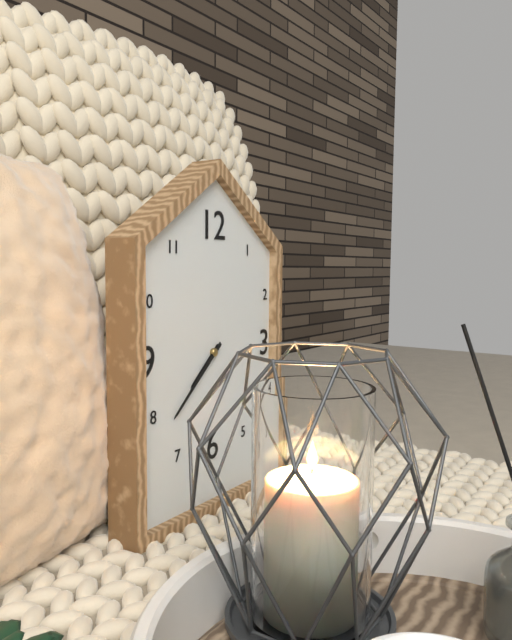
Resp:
**7:38**
